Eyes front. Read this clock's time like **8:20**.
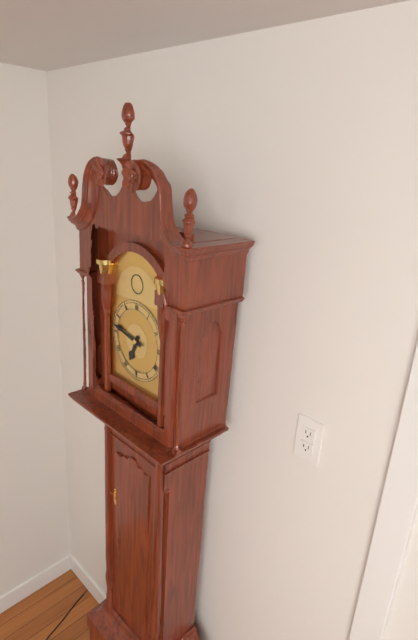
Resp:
**6:47**
